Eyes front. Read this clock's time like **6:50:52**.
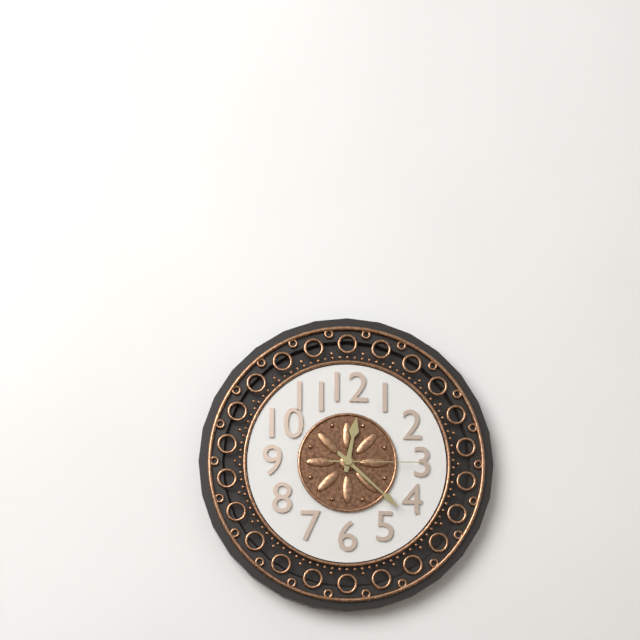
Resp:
**12:22:15**
